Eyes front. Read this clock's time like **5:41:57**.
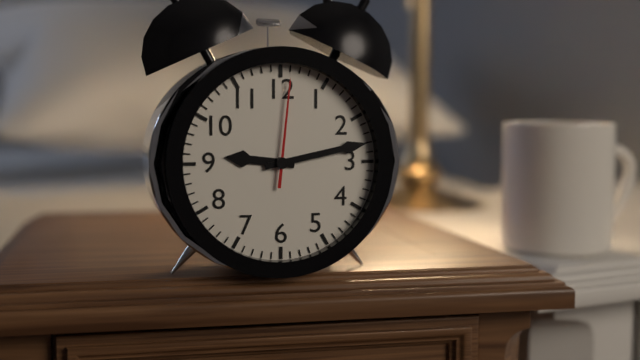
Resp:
**9:13:01**
